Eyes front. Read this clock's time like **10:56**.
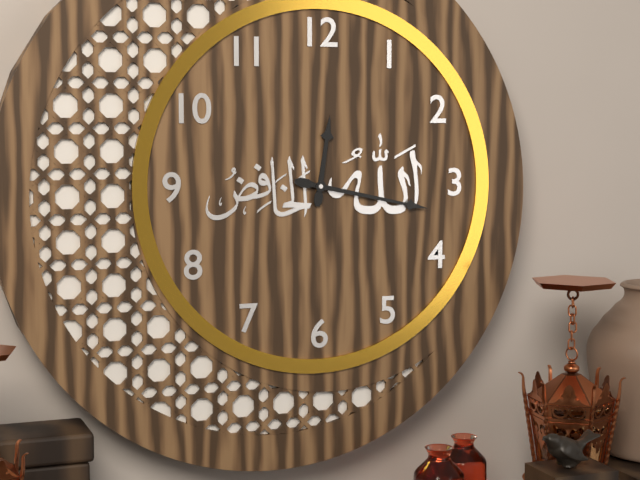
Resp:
**12:17**
